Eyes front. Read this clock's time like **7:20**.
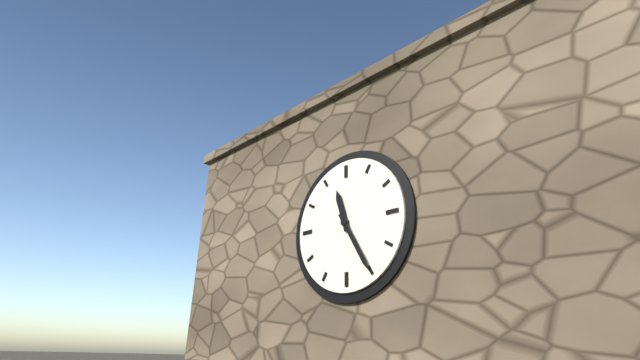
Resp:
**11:25**
